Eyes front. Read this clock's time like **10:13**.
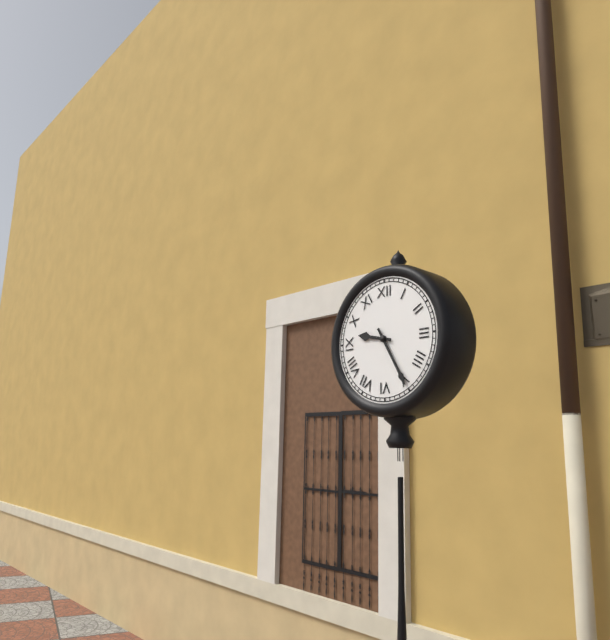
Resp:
**9:25**
